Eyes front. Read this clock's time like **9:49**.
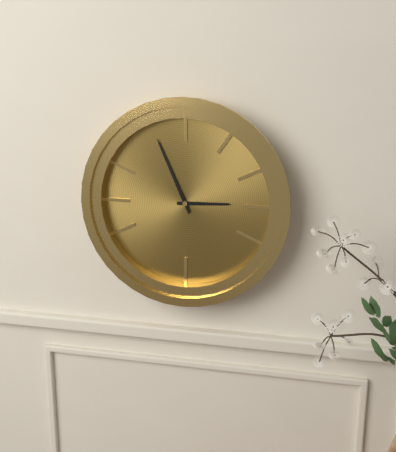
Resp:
**2:56**
